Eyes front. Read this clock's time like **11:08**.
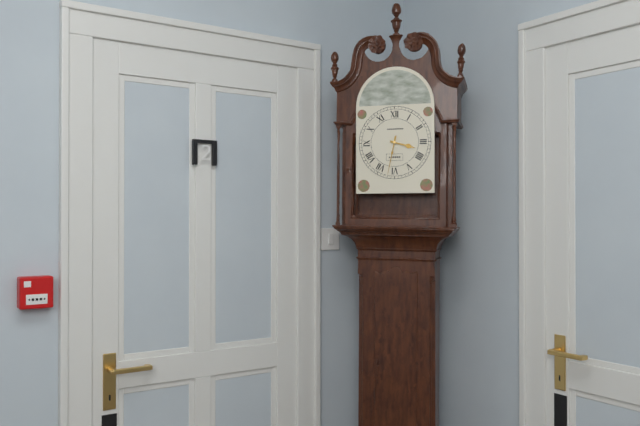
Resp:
**3:32**
